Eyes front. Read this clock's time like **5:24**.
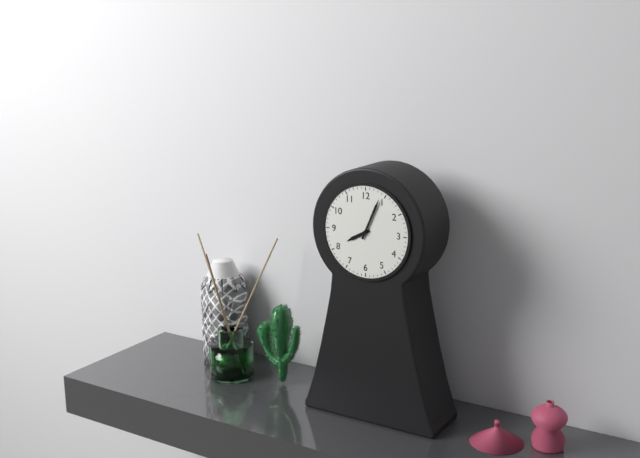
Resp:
**8:04**
